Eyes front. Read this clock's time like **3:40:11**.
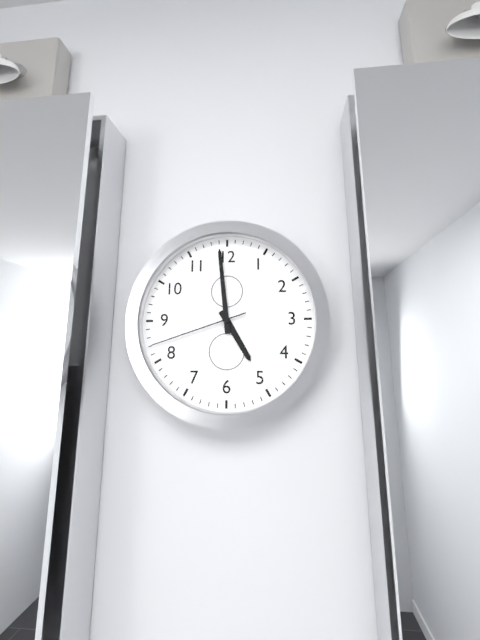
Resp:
**4:59:42**
